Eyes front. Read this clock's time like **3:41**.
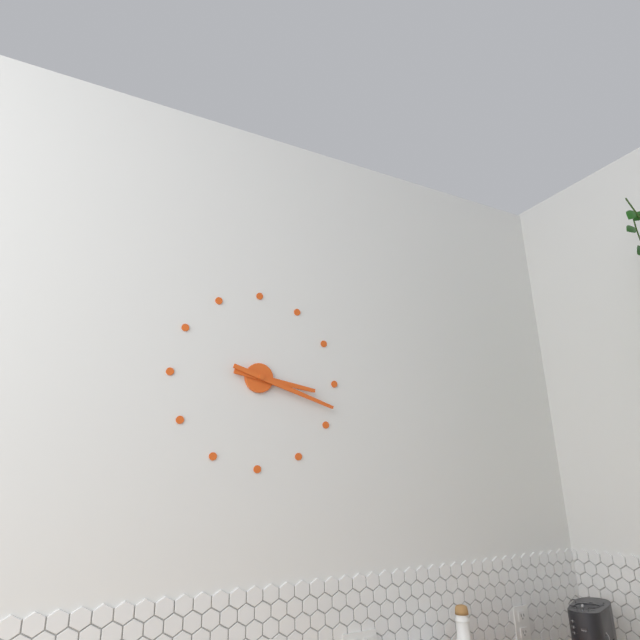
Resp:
**3:18**
